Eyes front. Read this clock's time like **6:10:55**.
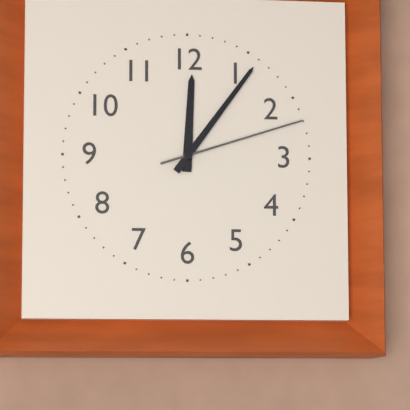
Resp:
**12:06:12**
